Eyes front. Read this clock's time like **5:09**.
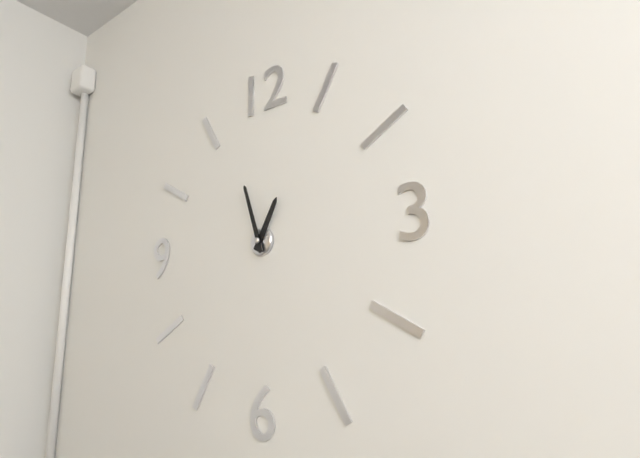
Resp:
**12:57**
